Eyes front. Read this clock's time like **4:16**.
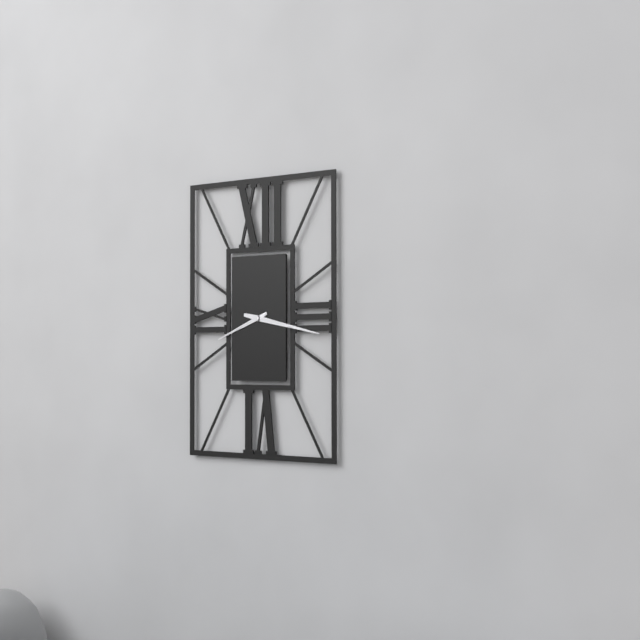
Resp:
**8:17**
